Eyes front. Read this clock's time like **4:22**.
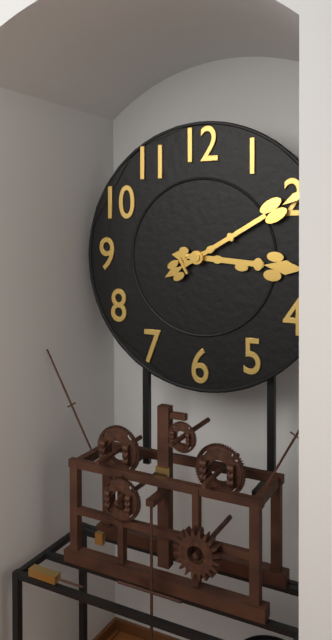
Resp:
**3:10**
